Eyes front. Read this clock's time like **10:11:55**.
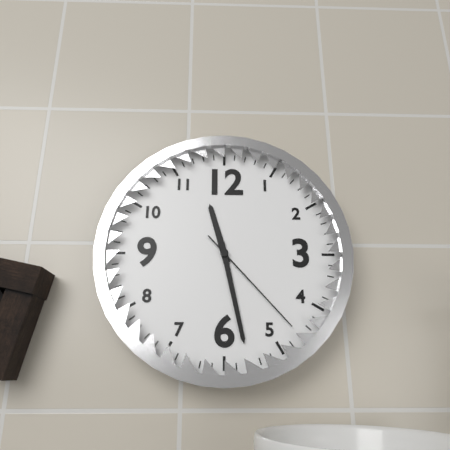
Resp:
**11:28:23**
